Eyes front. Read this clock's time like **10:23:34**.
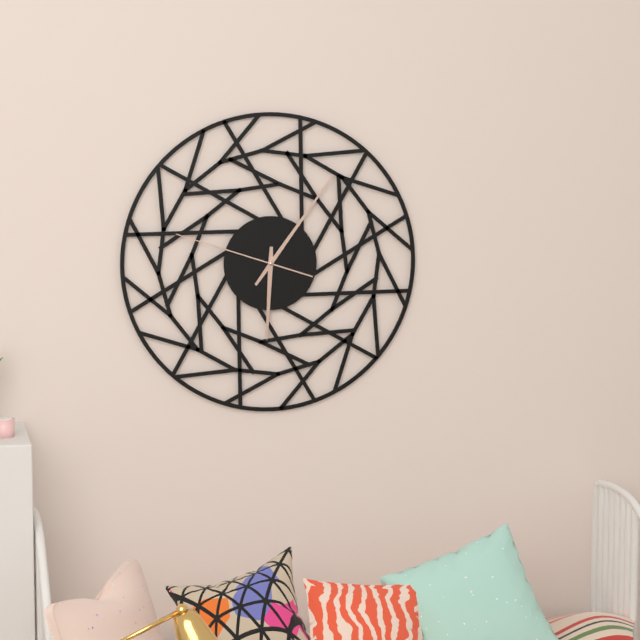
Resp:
**6:06:48**
